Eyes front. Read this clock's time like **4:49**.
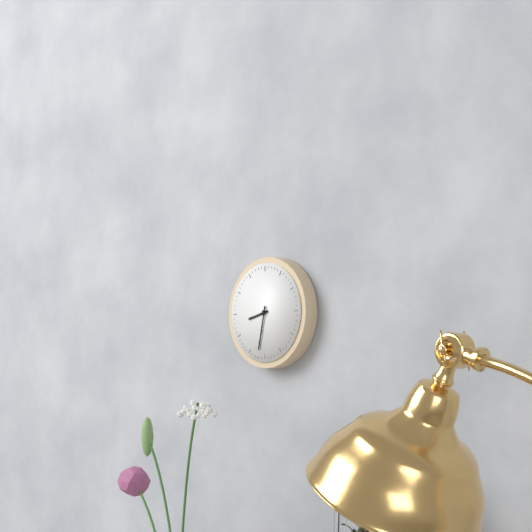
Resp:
**8:32**
